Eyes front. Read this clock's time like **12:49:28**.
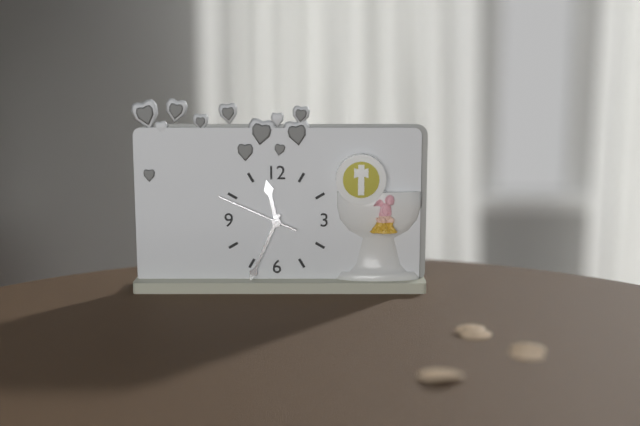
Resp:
**11:34:49**
